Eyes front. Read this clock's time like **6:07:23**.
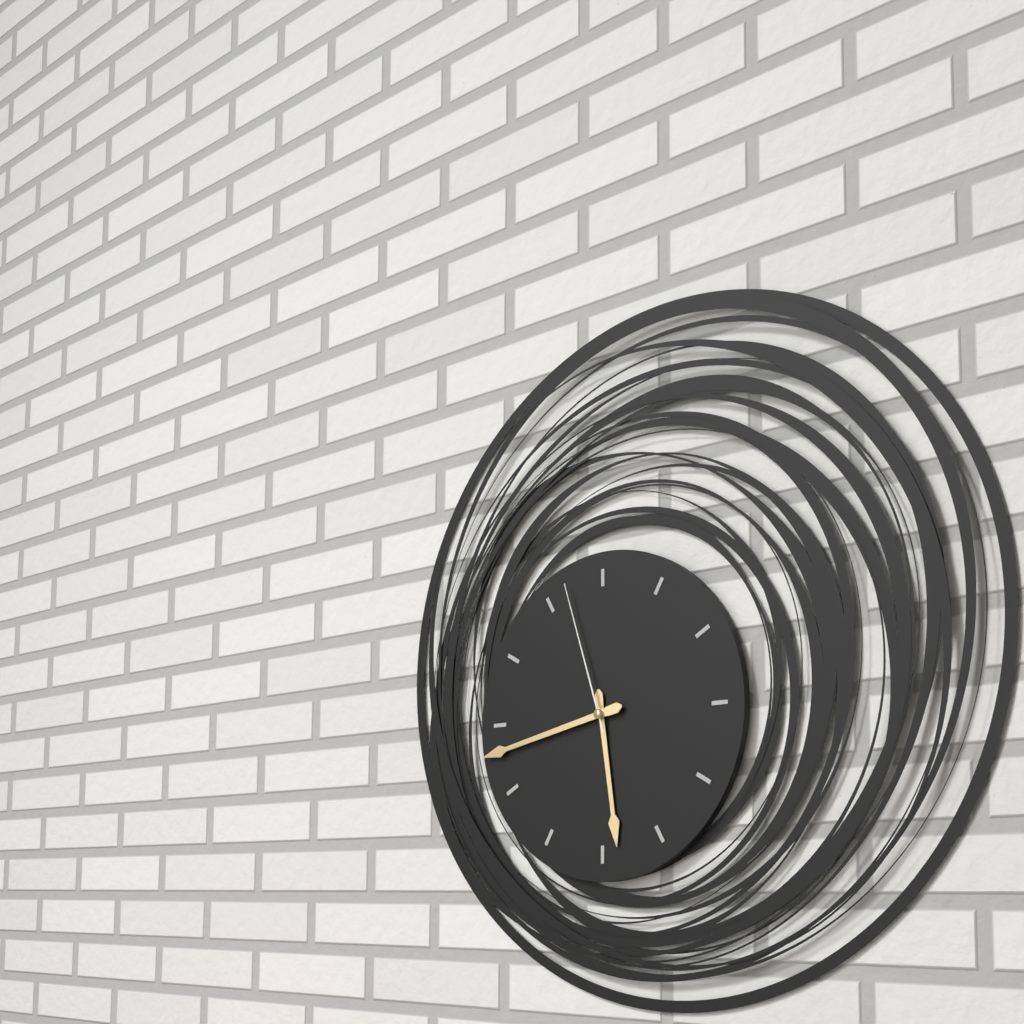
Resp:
**5:43:57**
